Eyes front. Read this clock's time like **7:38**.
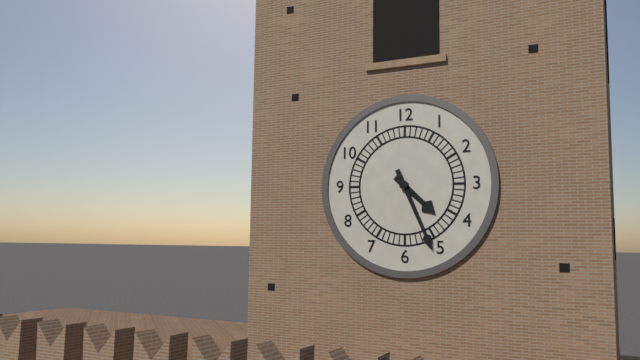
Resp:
**4:26**
